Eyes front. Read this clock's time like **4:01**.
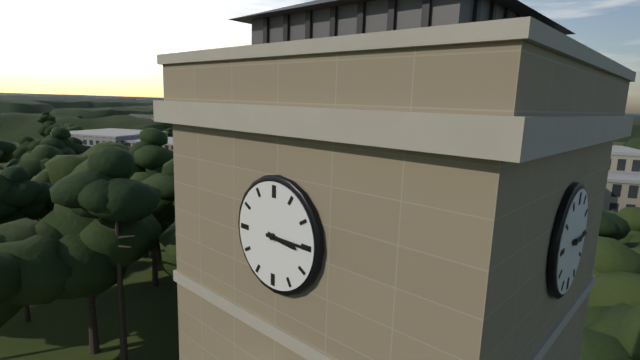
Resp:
**3:15**
